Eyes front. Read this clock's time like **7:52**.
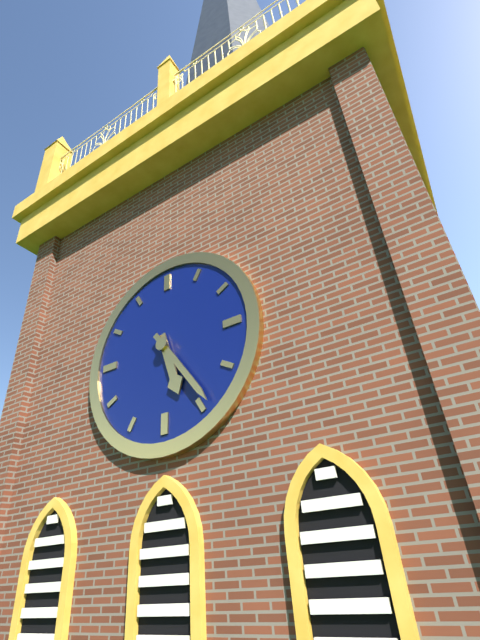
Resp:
**5:24**
